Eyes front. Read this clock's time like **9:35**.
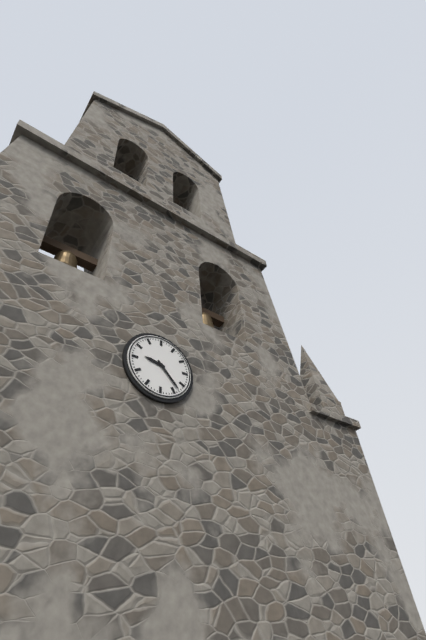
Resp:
**9:23**
